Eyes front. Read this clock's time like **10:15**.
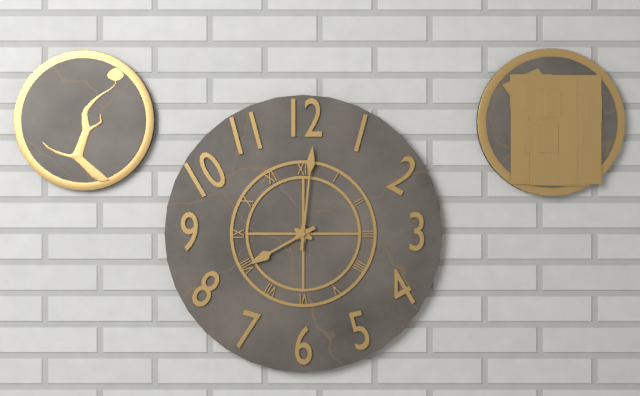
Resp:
**8:01**
